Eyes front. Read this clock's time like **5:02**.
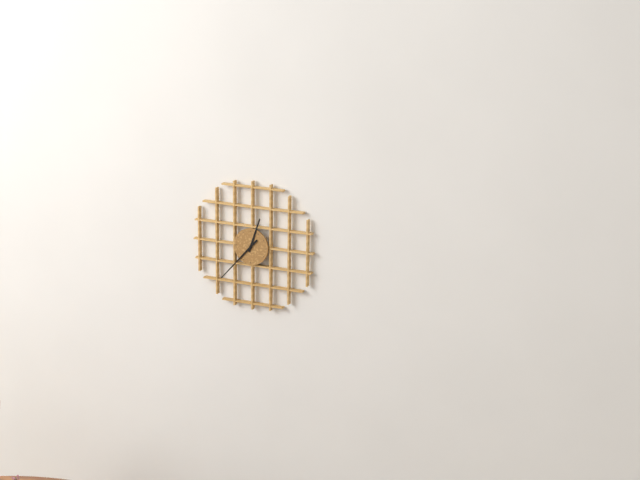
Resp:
**12:37**
